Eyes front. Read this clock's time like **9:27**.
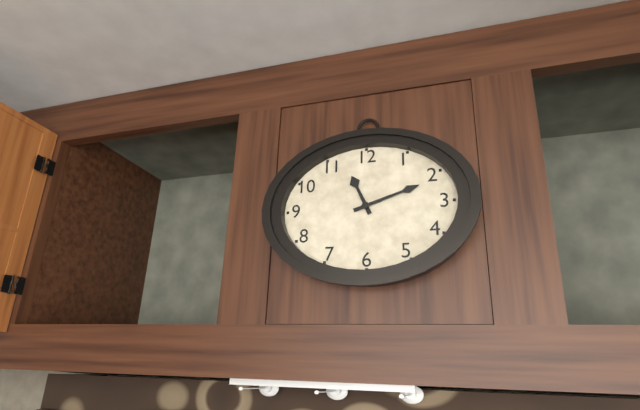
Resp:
**11:12**
